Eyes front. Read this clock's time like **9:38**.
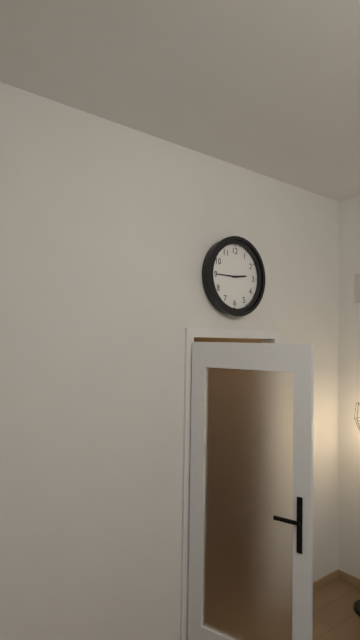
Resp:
**2:45**
